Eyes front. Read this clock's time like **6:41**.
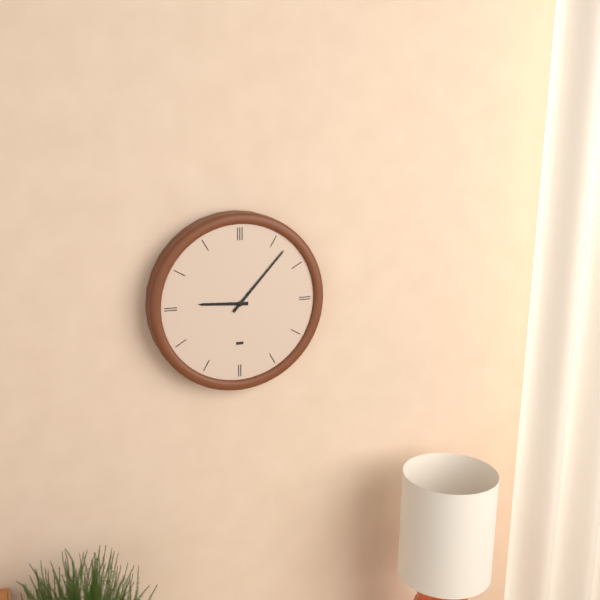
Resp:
**9:07**
